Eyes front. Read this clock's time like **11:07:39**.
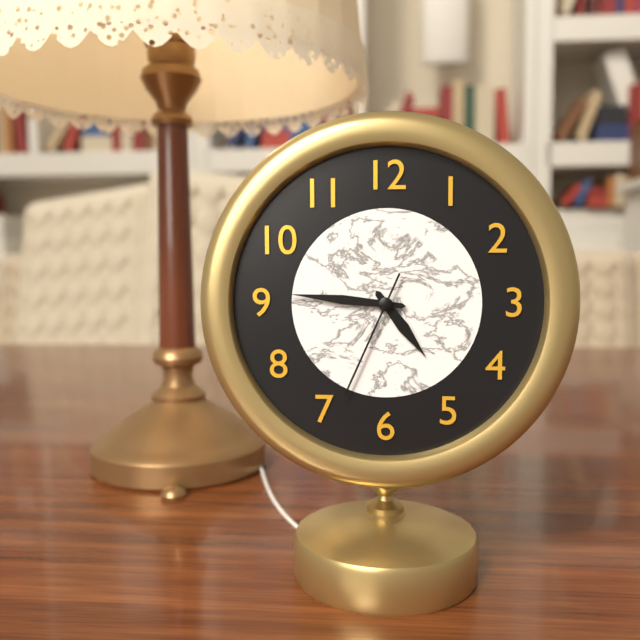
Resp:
**4:46:34**
